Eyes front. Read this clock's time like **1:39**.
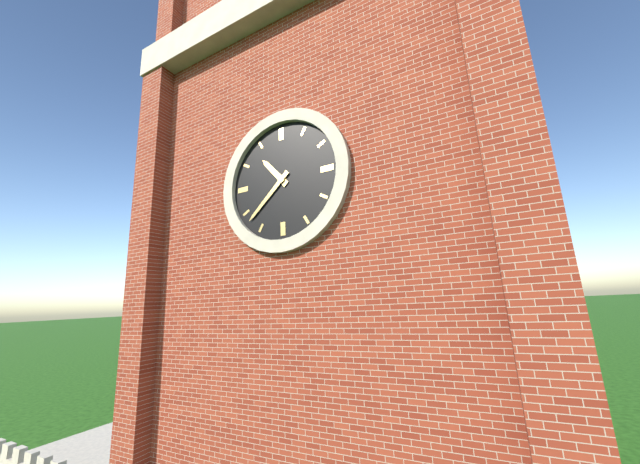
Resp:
**10:38**
